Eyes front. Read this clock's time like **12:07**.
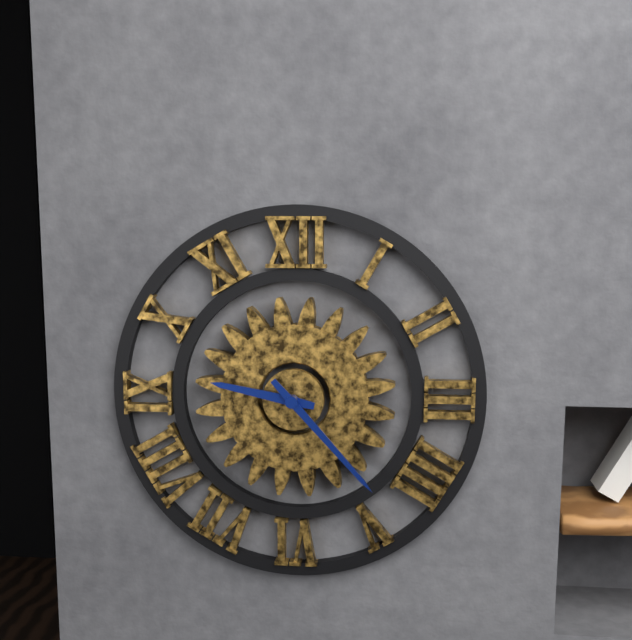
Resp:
**9:23**
